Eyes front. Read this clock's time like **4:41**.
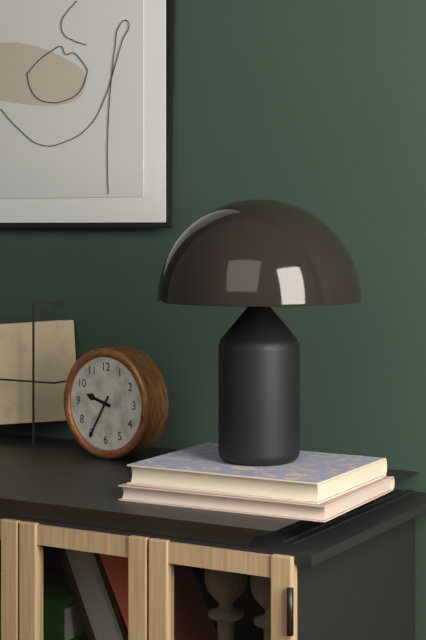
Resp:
**9:35**
